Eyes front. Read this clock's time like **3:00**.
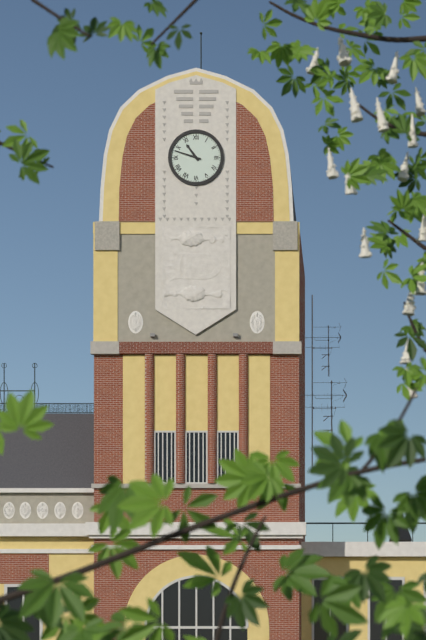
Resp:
**10:48**
